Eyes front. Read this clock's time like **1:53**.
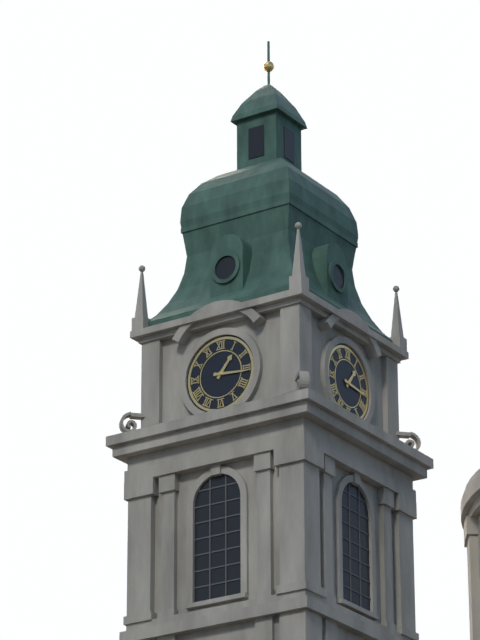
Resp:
**1:16**
